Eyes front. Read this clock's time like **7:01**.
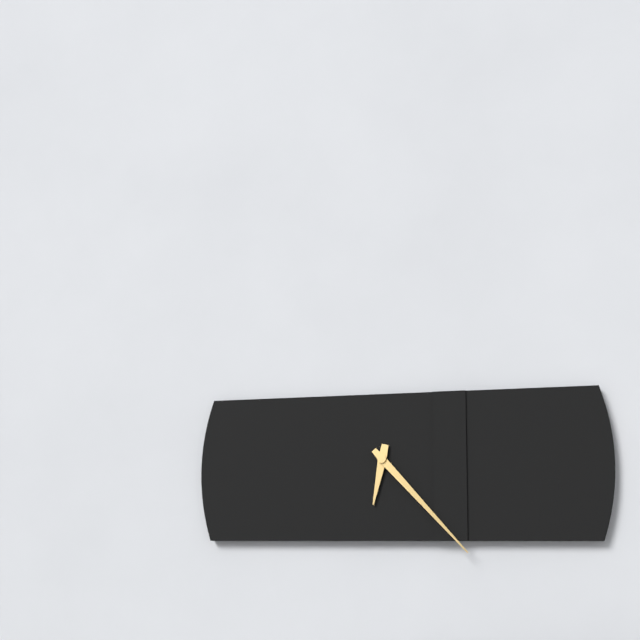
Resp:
**6:23**
